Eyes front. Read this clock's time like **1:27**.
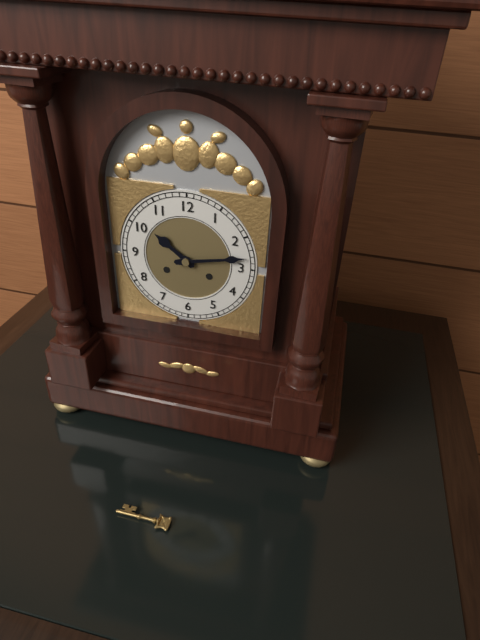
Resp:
**10:13**
